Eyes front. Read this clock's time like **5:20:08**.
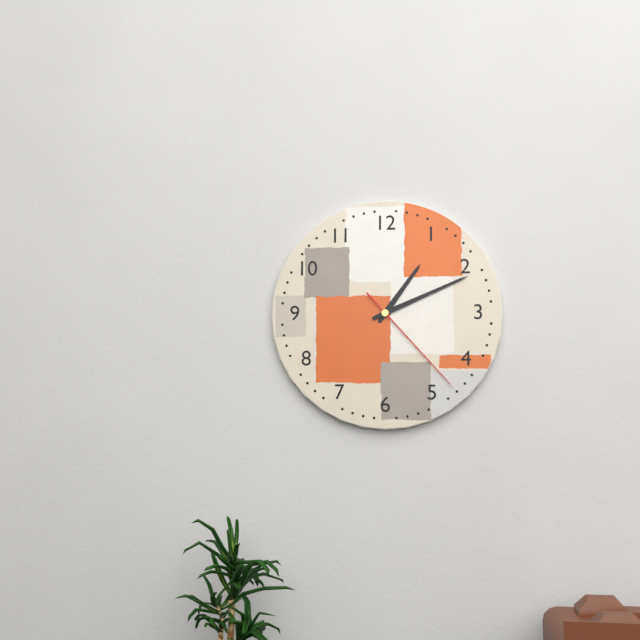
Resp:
**1:11:23**
